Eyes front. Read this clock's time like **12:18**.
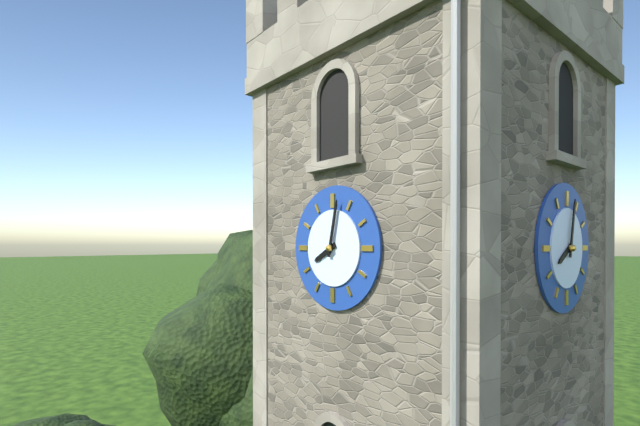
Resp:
**8:02**
